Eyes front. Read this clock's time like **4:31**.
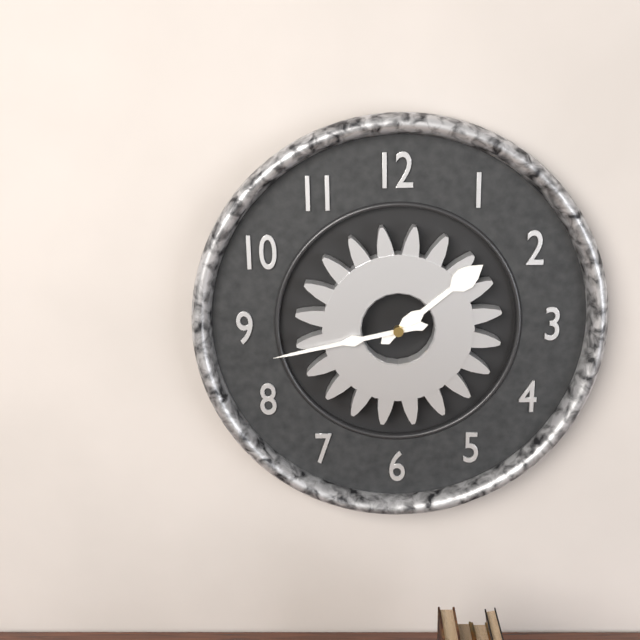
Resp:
**1:43**
